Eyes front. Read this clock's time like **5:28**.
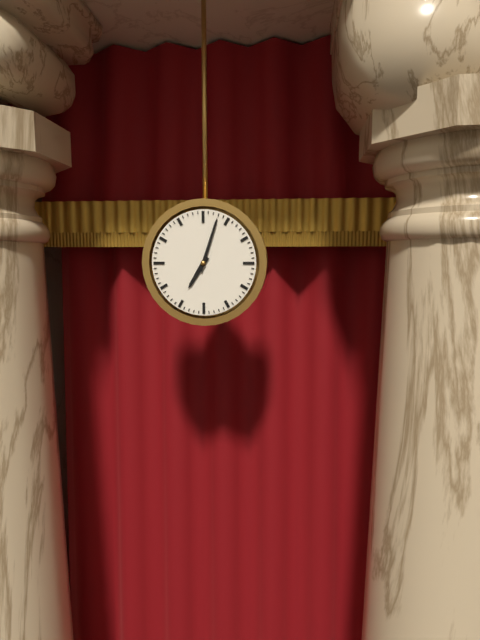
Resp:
**7:03**
